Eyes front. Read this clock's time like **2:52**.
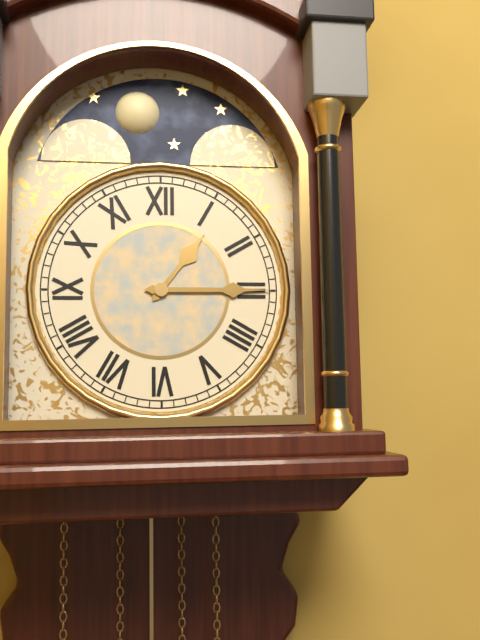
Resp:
**1:15**
